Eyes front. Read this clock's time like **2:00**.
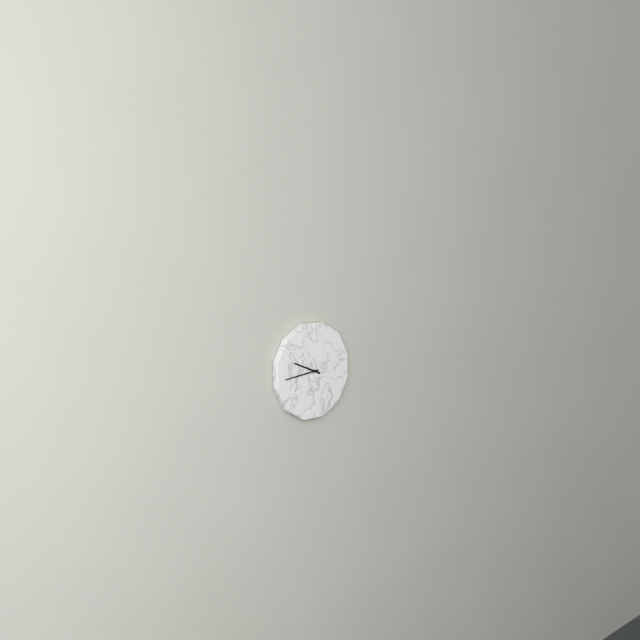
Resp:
**9:44**
